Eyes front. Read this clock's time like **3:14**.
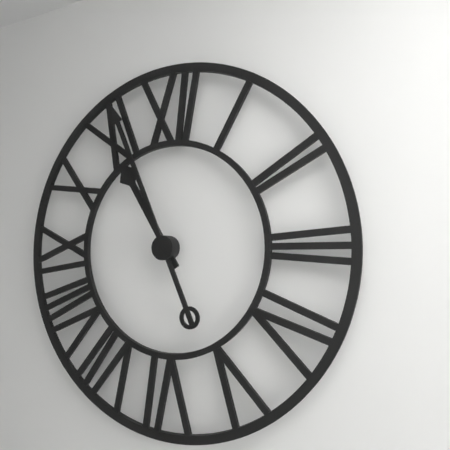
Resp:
**10:56**
